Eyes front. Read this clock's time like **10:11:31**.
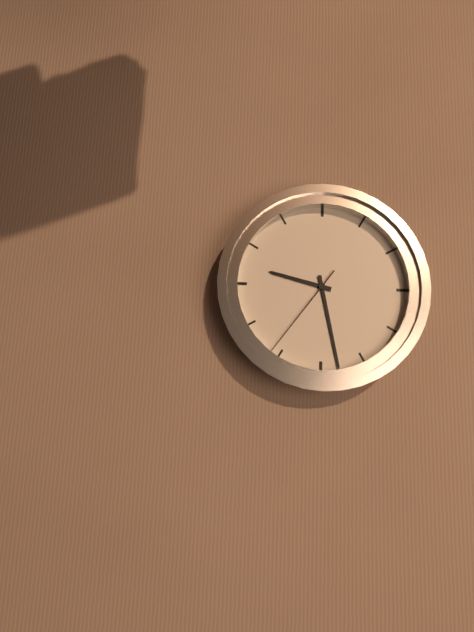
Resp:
**9:28:36**
